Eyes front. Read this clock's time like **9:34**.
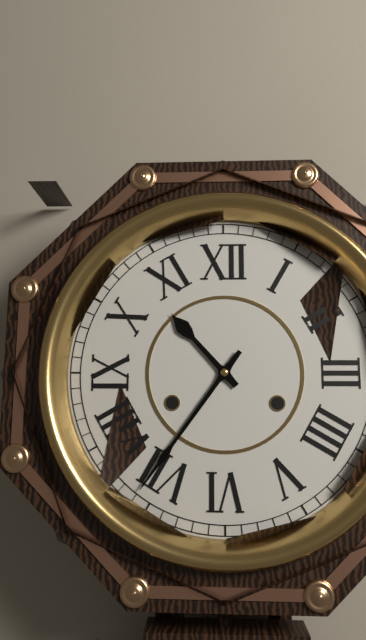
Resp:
**10:36**
